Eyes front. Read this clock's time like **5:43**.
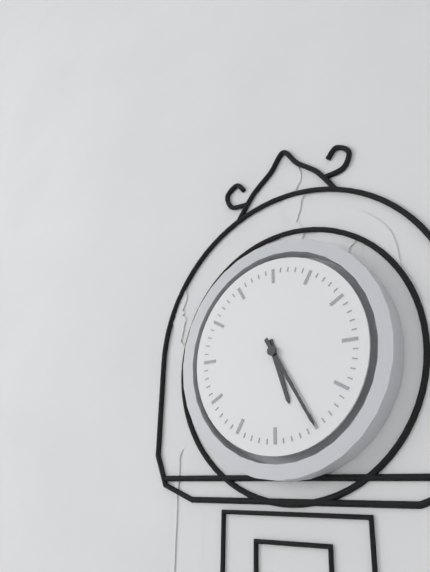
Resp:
**5:25**
